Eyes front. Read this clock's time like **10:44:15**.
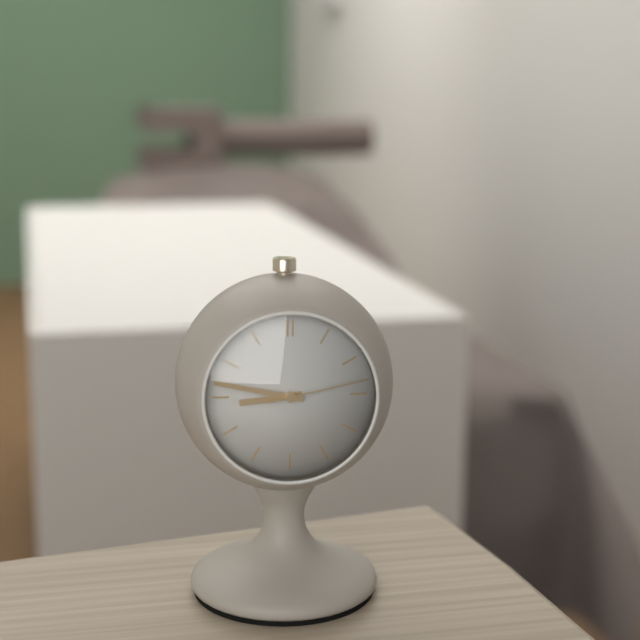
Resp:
**8:47:13**
